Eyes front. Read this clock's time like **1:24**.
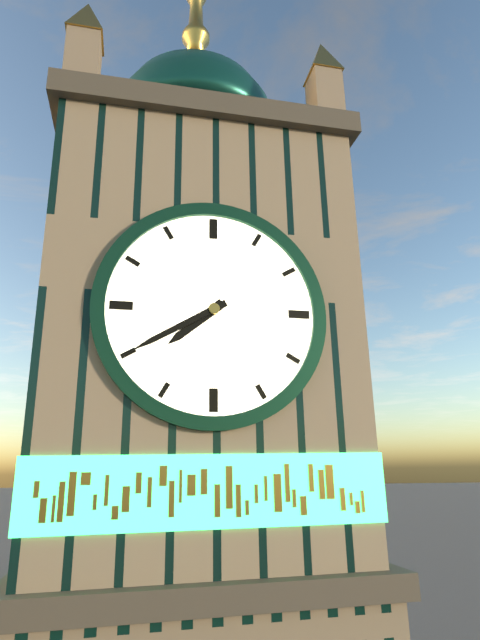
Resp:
**7:40**
